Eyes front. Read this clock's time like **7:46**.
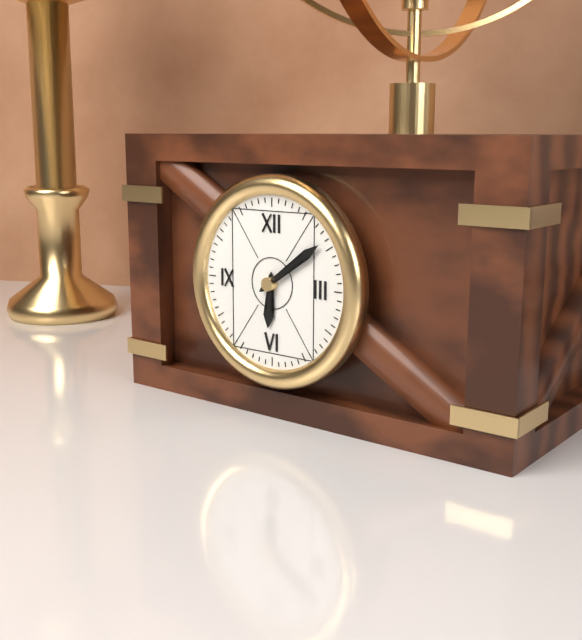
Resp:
**6:09**
